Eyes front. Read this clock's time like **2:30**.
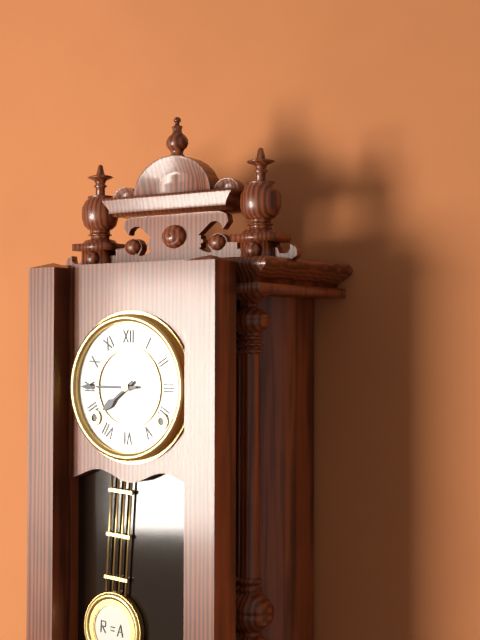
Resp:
**7:45**
